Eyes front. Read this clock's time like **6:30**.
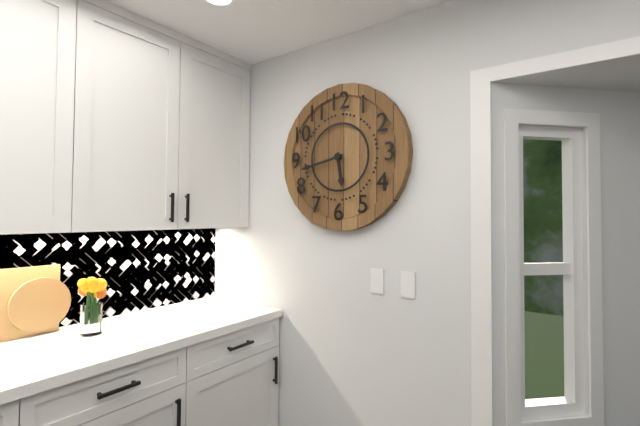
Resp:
**5:43**
